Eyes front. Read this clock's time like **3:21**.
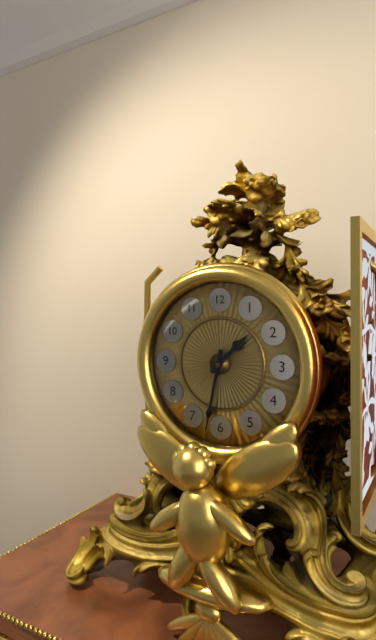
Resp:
**1:32**
